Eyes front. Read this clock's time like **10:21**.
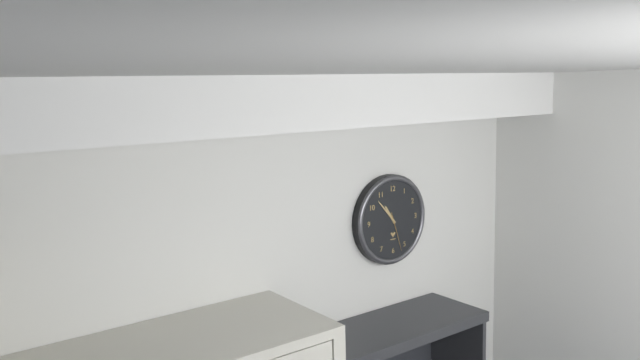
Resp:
**10:53**
